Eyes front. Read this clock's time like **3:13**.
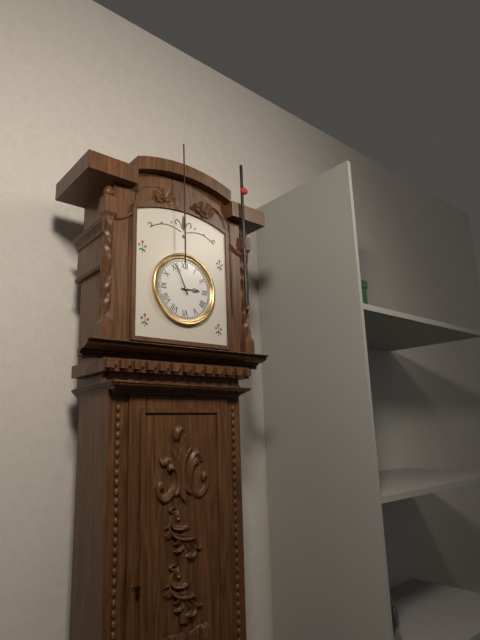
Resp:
**2:56**
